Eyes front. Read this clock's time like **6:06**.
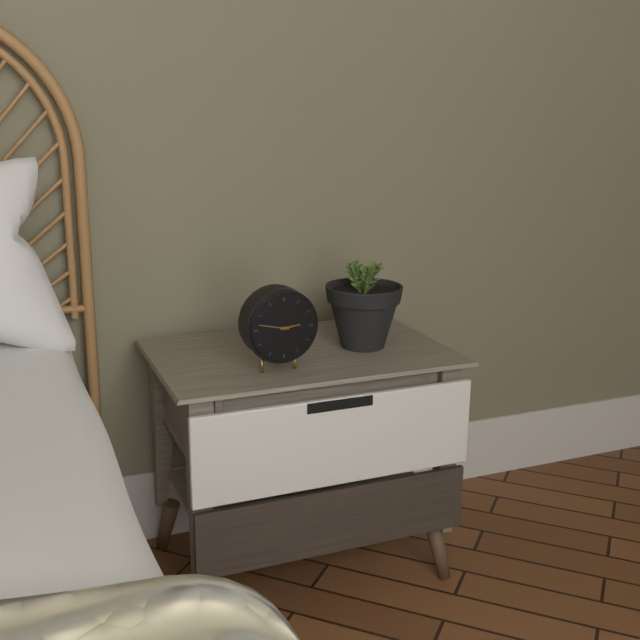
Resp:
**2:47**
